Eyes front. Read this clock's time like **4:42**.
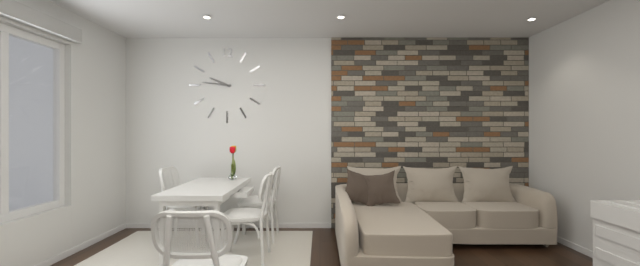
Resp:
**9:46**
